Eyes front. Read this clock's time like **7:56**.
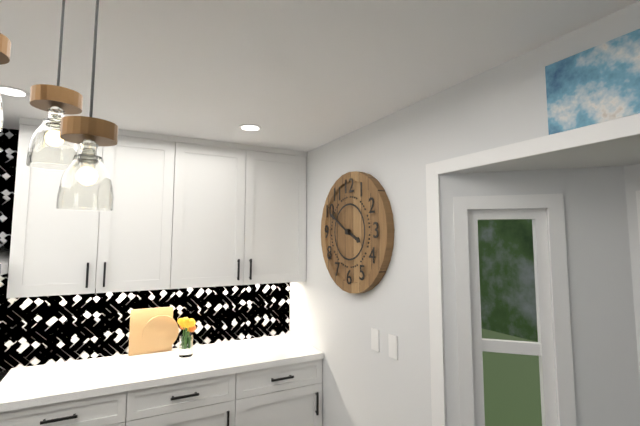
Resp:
**3:50**
